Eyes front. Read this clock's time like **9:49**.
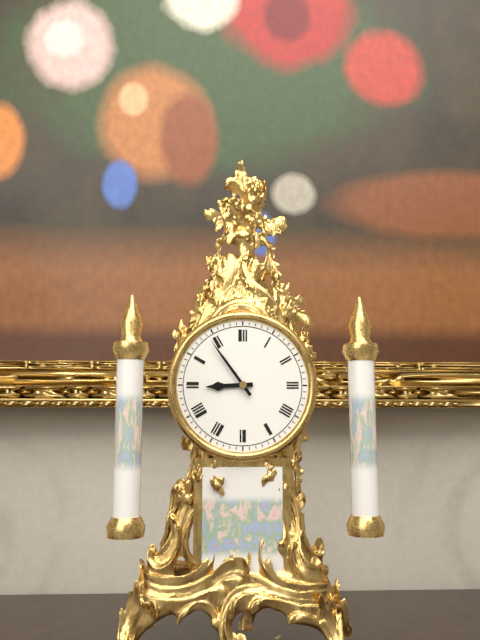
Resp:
**8:54**
